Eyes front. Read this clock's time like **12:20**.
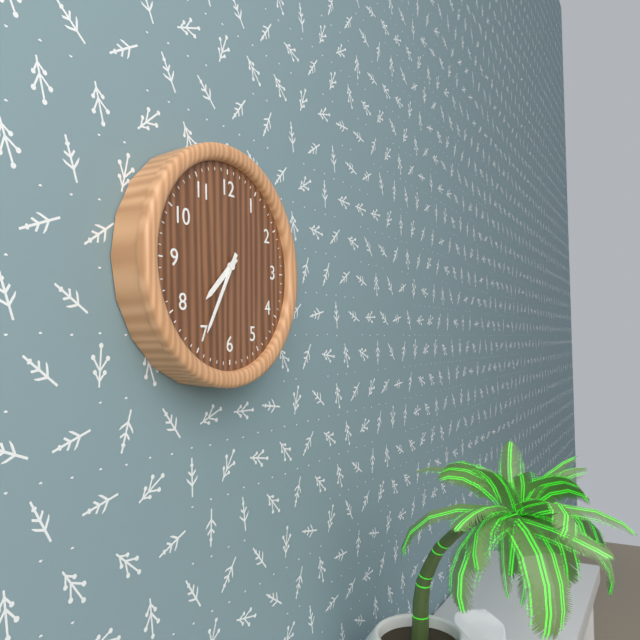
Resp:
**7:35**
